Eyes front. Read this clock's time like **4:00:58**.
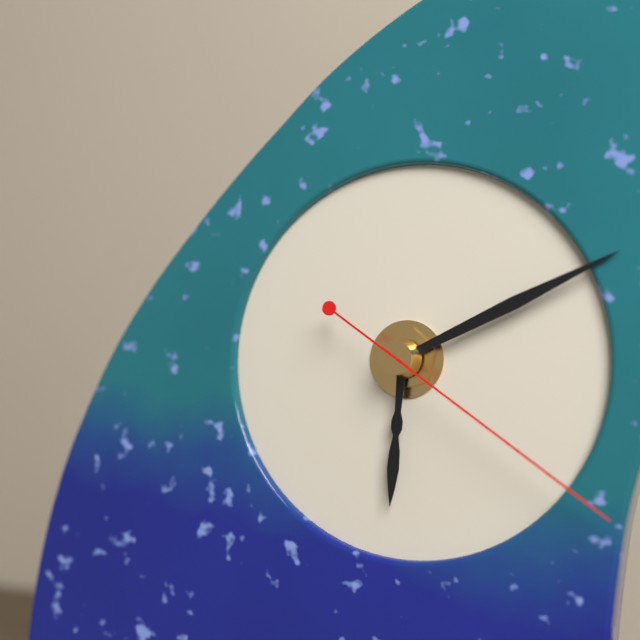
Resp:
**6:11:21**
